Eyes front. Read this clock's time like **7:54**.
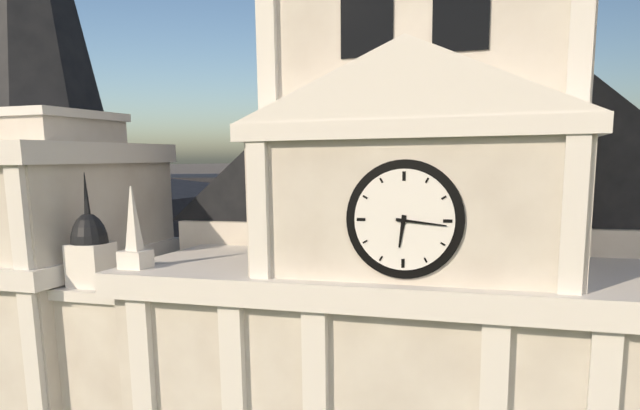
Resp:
**6:16**
